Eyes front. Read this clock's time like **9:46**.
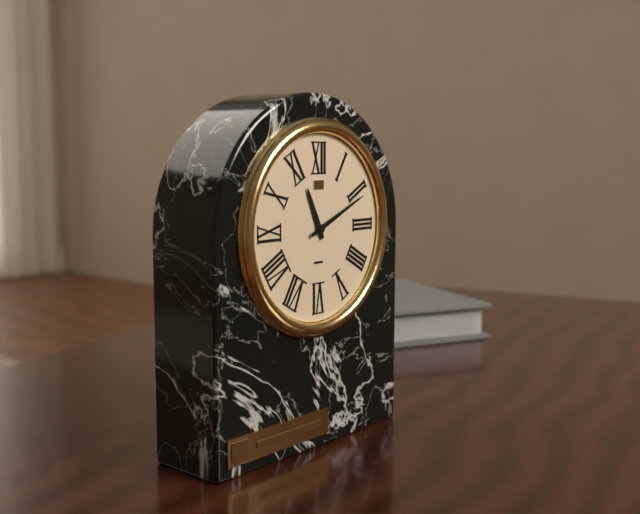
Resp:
**11:11**
